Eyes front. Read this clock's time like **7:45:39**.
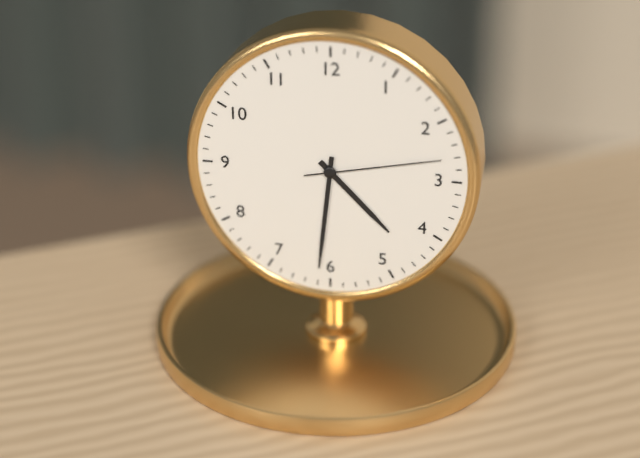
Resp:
**4:31:13**
